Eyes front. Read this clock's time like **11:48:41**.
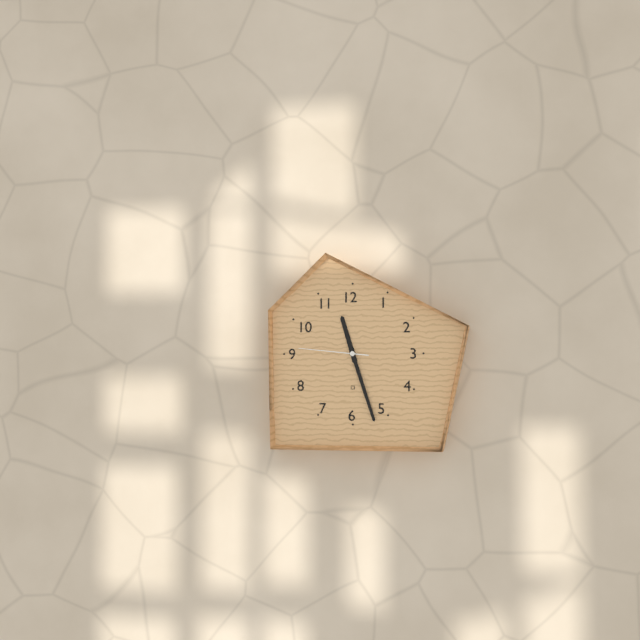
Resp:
**11:27:46**
